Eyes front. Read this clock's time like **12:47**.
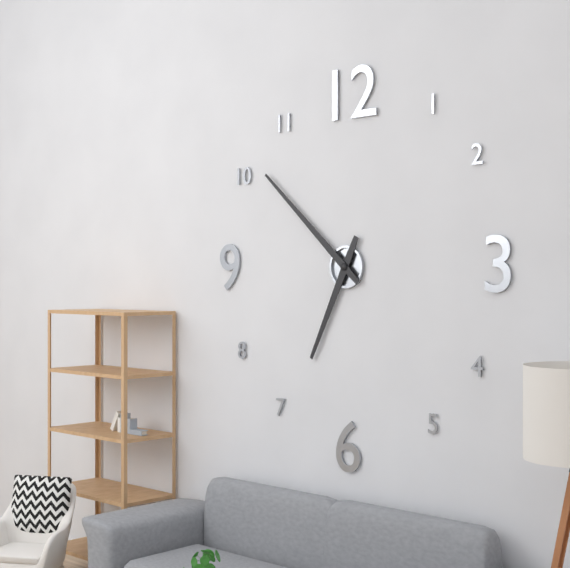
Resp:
**6:52**
